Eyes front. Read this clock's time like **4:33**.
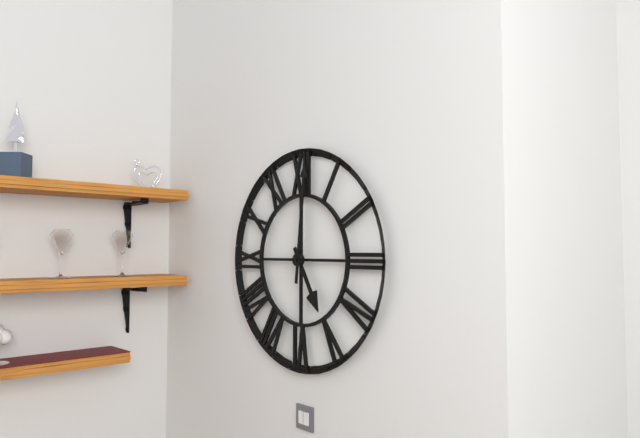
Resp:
**5:01**
